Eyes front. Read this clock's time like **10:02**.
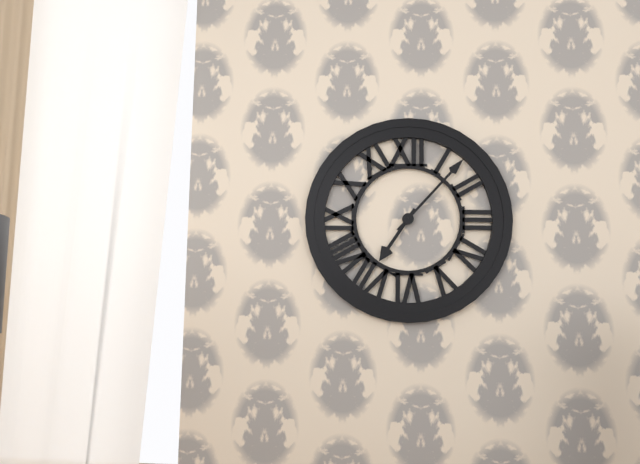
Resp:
**7:07**
